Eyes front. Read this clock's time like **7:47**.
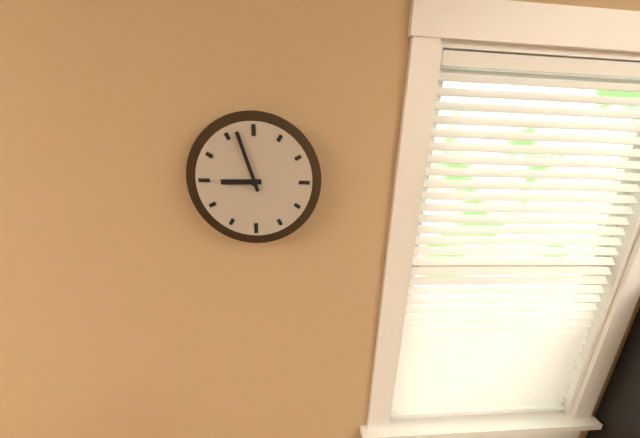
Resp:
**8:57**
